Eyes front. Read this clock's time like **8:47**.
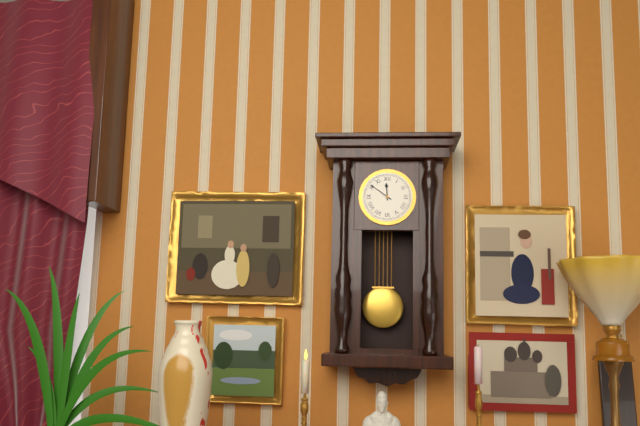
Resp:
**11:51**
